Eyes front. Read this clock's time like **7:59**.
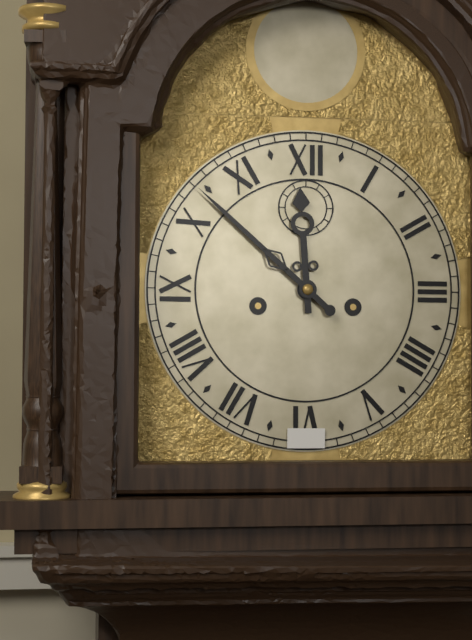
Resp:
**11:52**
